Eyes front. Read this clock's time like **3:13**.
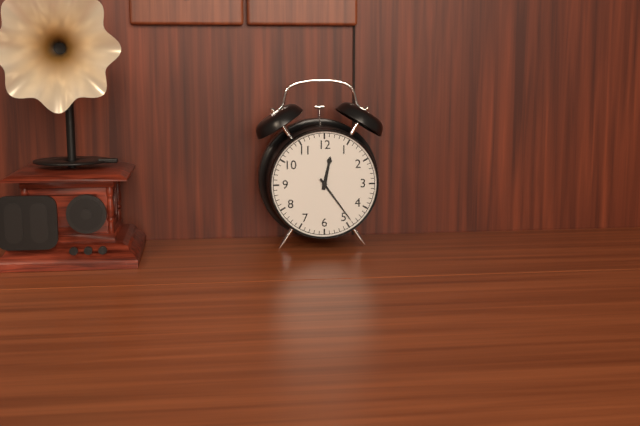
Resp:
**12:24**
